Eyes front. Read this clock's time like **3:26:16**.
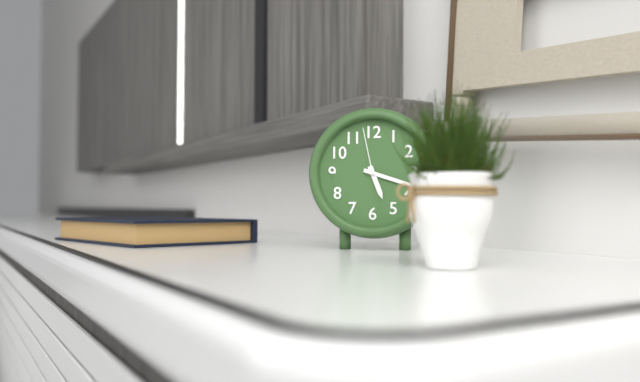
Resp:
**5:18:58**
